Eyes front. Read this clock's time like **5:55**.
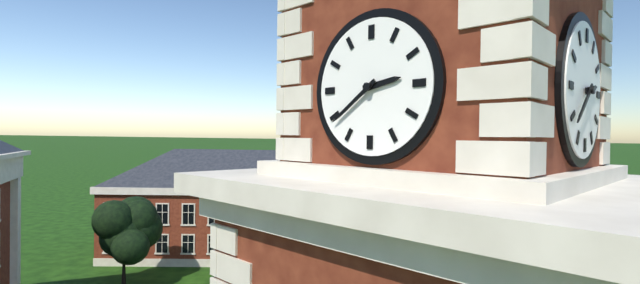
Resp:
**2:39**
